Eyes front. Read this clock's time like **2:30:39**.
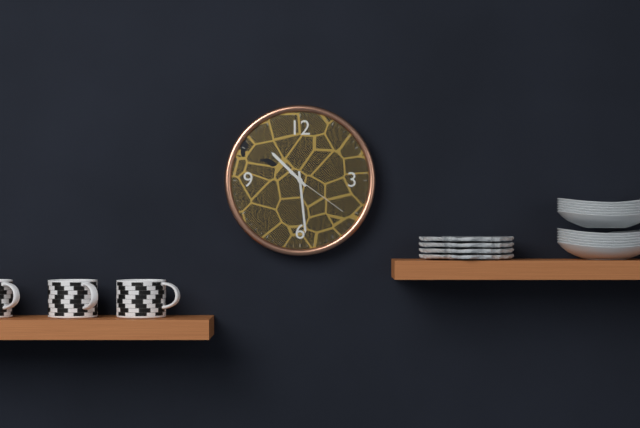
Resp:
**10:29:21**
